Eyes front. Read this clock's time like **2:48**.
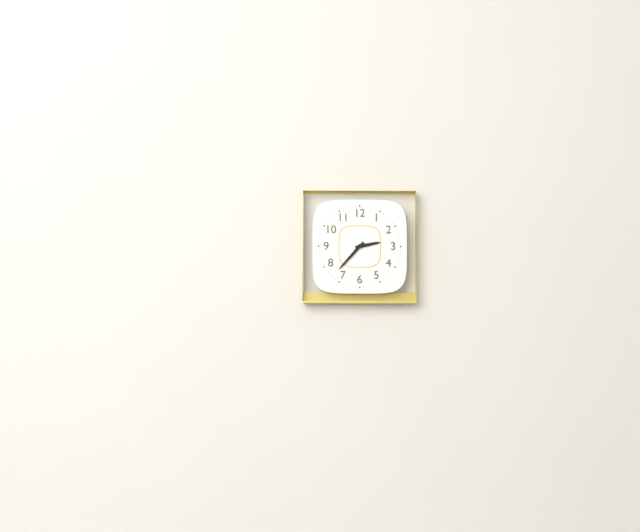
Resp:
**2:37**
